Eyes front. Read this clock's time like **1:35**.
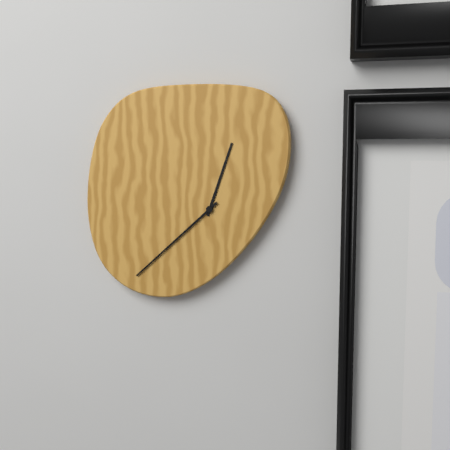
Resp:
**12:38**
